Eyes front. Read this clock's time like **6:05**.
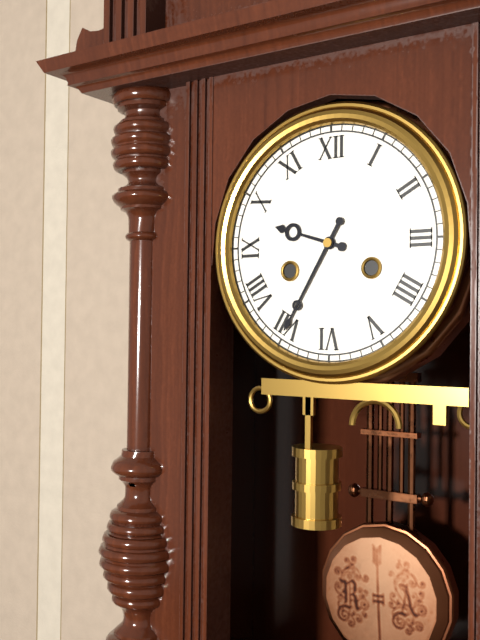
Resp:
**9:35**
